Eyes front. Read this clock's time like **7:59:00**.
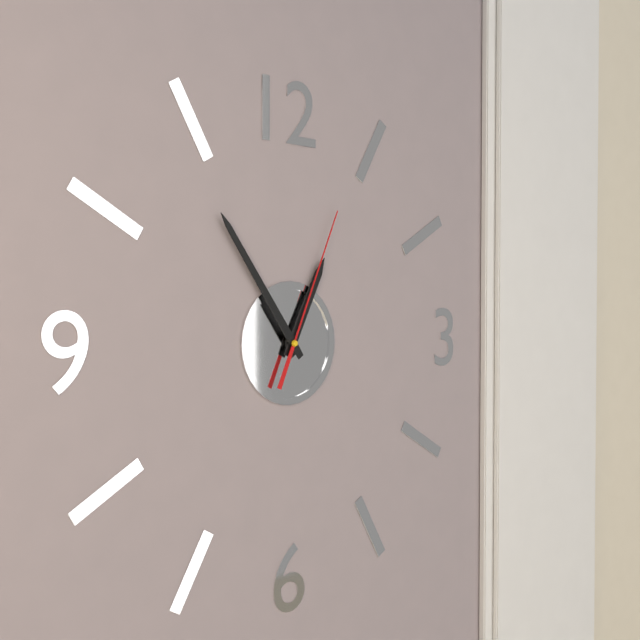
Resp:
**12:54:04**
